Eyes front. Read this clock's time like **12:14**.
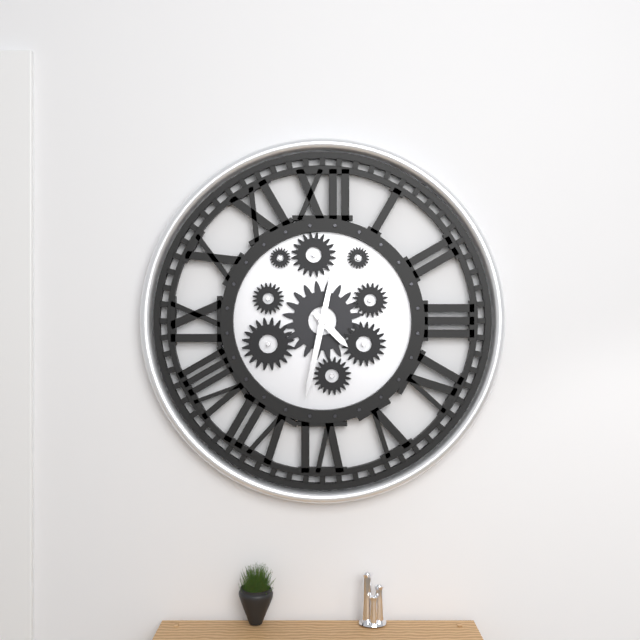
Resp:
**4:32**
